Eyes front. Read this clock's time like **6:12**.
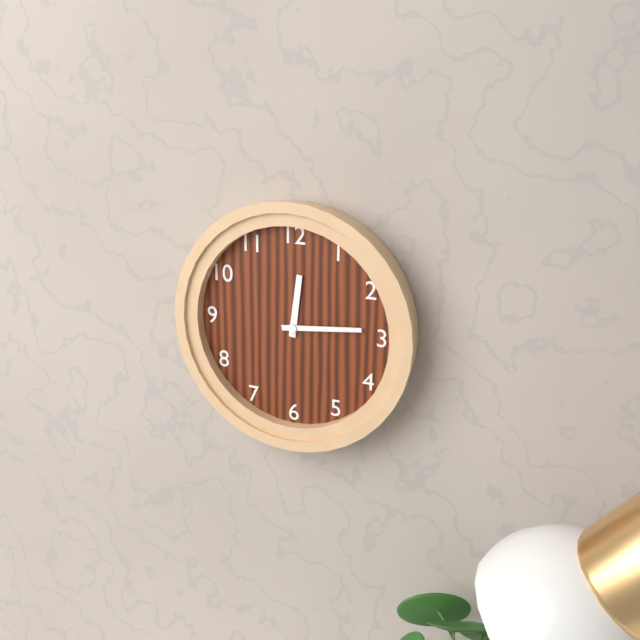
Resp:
**12:14**
